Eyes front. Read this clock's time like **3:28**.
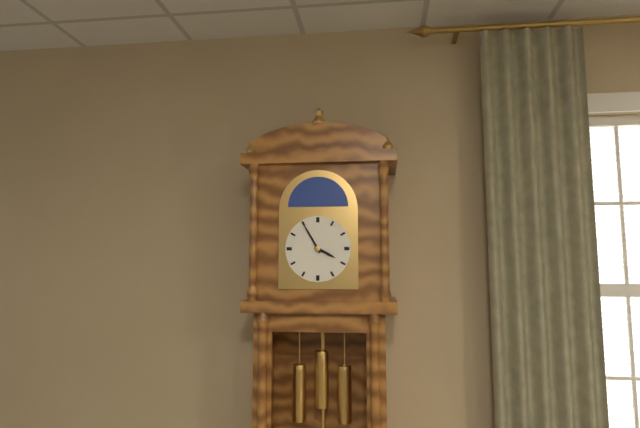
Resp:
**3:55**
